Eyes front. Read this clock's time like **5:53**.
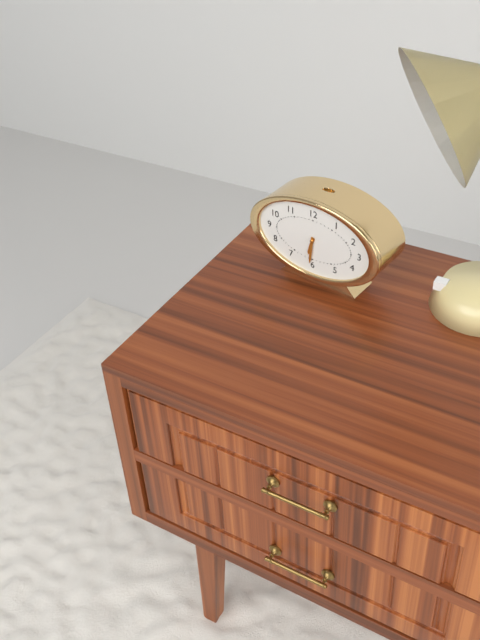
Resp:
**6:31**
